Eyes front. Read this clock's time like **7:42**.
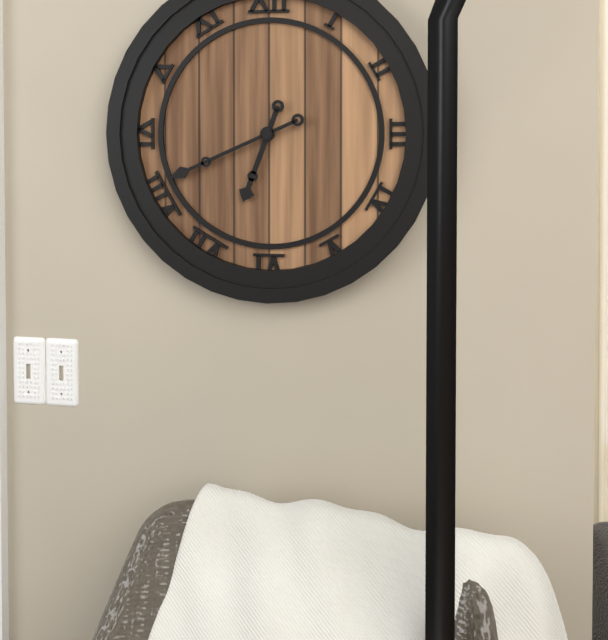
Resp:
**6:41**
